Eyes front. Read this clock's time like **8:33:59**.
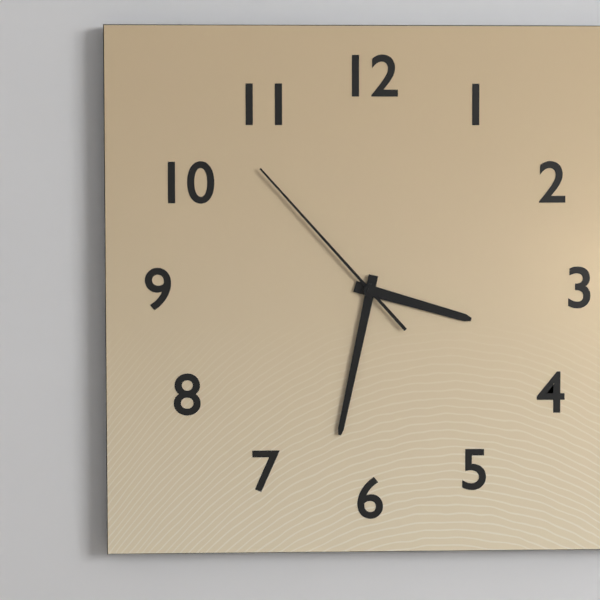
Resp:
**3:32:53**
